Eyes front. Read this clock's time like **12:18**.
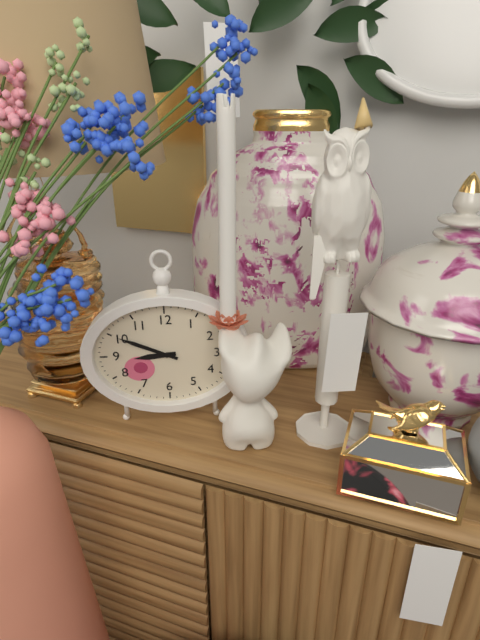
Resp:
**8:49**
